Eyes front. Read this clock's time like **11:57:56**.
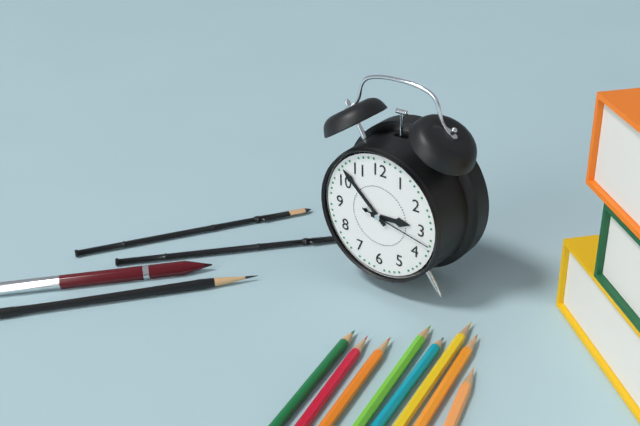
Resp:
**2:52:17**
